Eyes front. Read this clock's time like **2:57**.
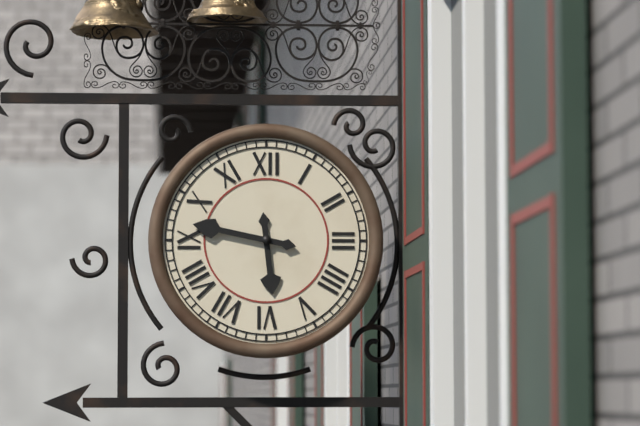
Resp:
**5:47**
